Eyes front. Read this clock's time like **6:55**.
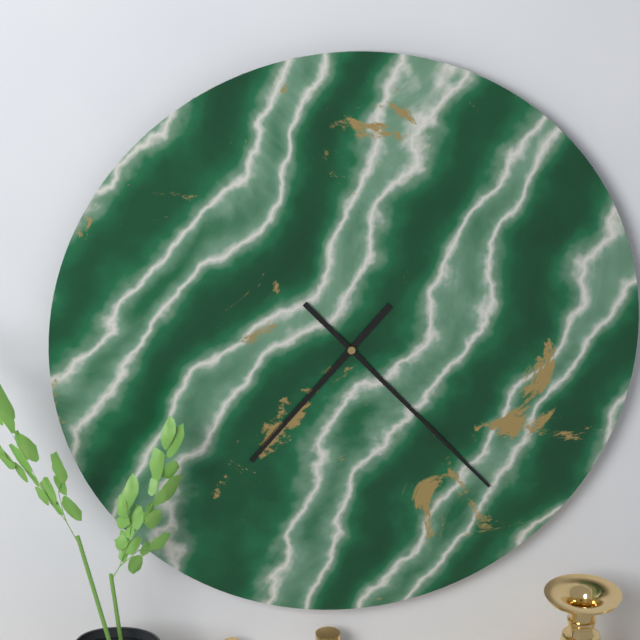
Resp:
**7:23**
